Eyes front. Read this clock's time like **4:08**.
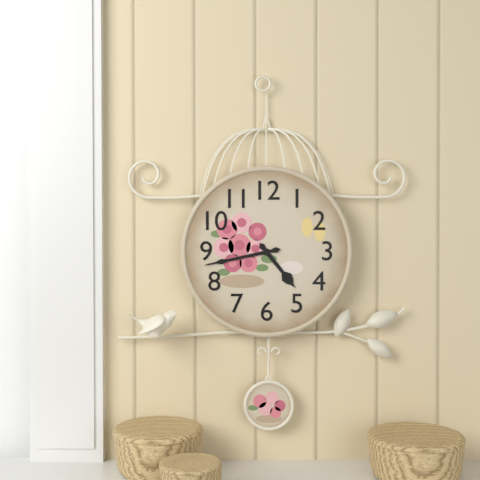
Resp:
**4:43**
